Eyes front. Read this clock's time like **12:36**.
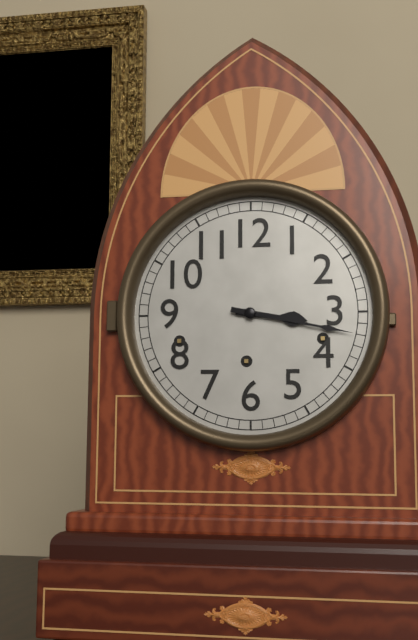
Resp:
**3:17**
